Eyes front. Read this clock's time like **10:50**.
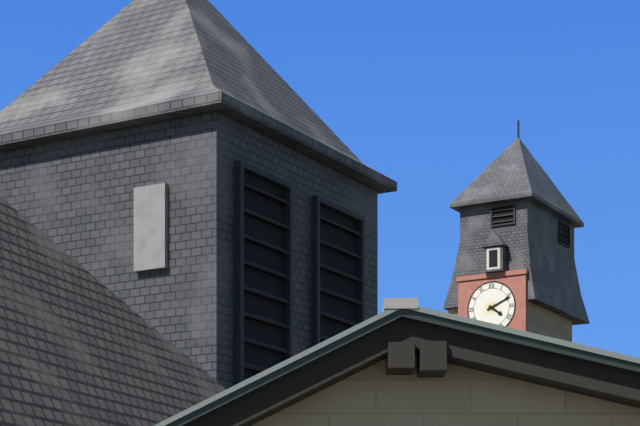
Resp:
**4:11**
